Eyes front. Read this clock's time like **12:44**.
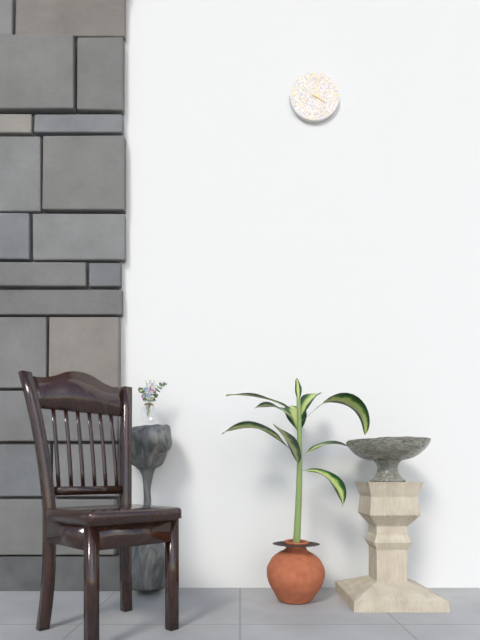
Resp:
**4:02**
